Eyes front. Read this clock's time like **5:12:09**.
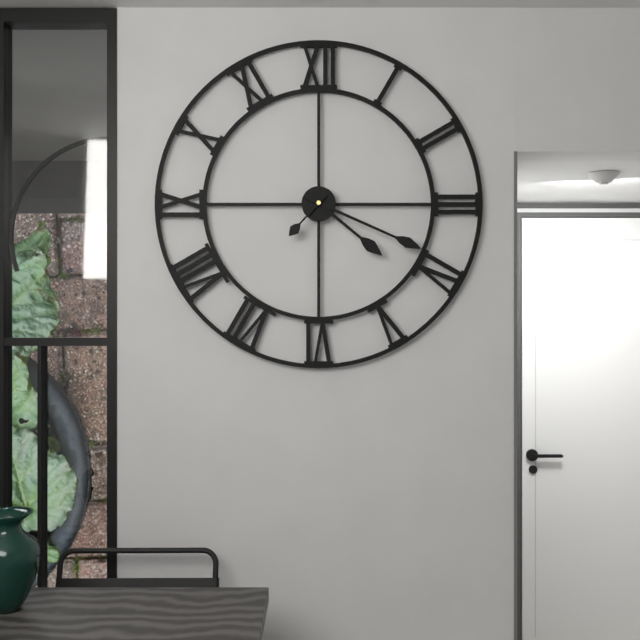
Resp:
**4:19:37**
